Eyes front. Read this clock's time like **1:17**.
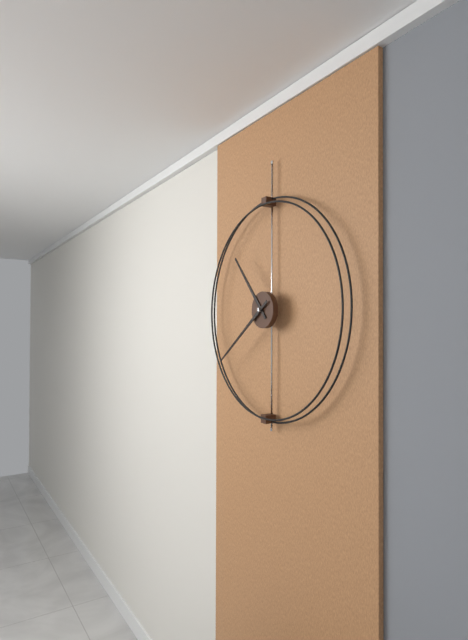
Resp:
**10:39**
